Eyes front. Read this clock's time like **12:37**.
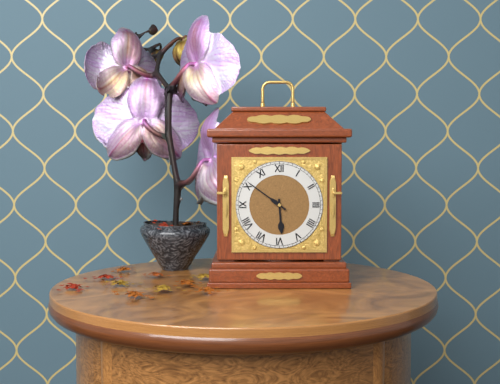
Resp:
**5:51**
